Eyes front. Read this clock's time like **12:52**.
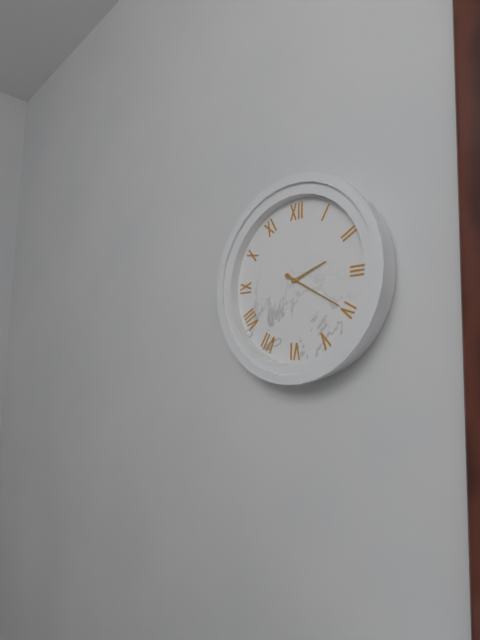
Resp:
**2:20**
